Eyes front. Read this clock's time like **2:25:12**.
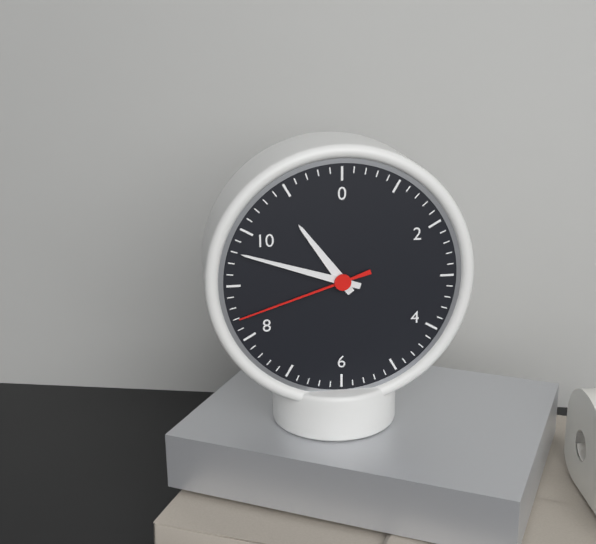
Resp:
**10:48:42**
